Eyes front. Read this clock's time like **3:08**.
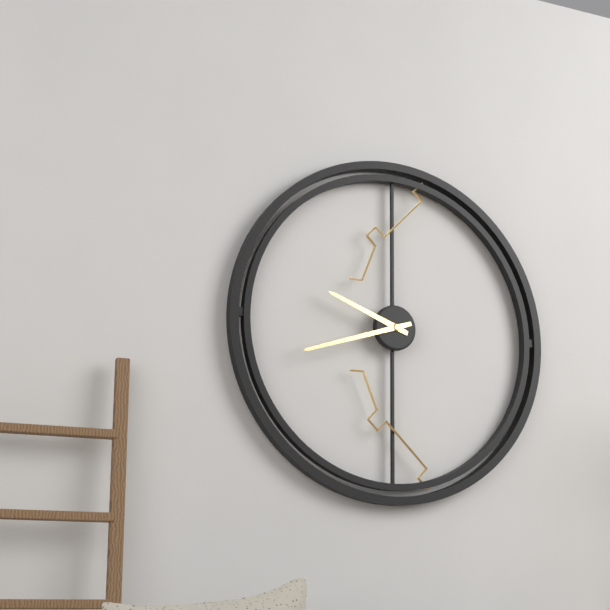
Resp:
**9:42**
